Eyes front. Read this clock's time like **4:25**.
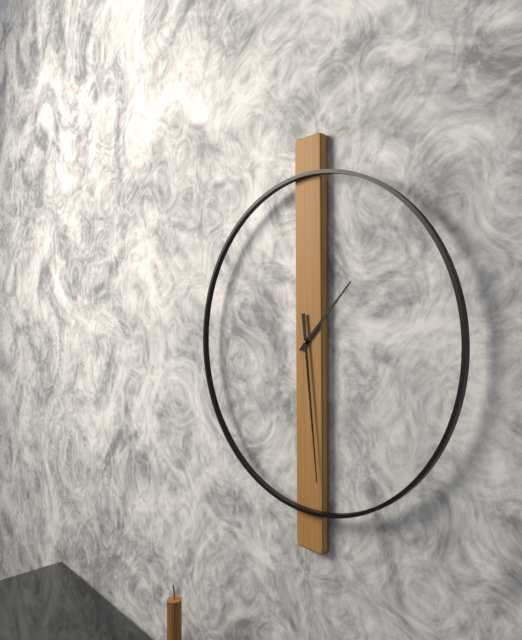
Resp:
**1:29**
